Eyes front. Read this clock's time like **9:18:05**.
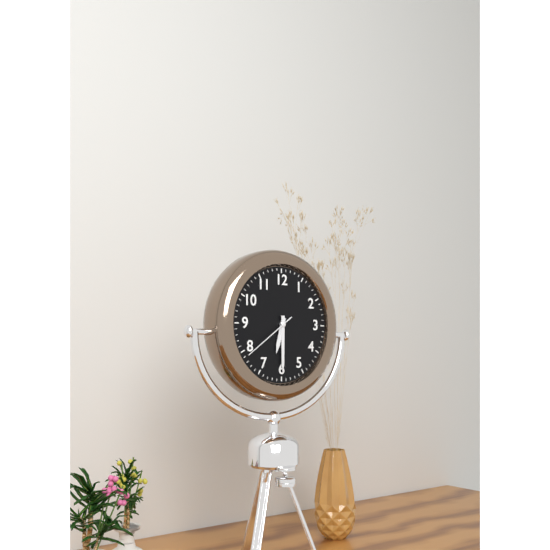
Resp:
**6:30:39**
